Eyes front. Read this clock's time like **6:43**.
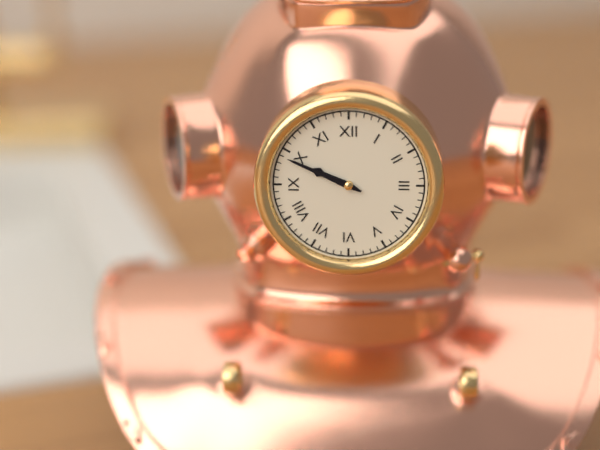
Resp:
**9:49**
